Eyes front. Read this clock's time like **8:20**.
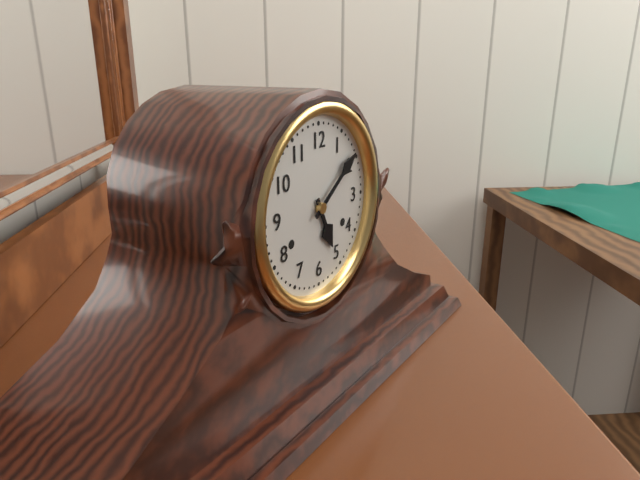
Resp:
**5:09**
